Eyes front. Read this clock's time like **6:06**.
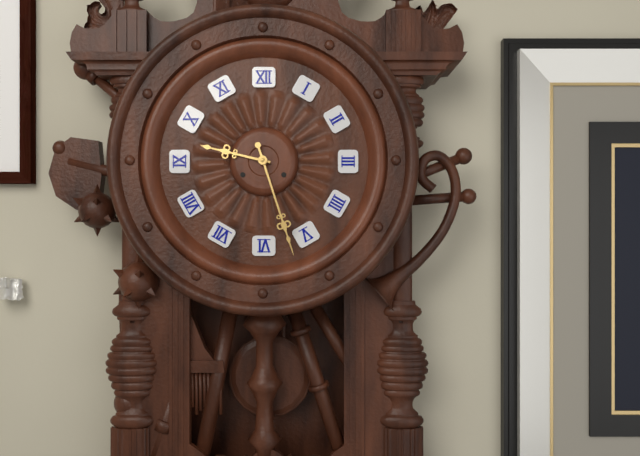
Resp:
**9:27**
